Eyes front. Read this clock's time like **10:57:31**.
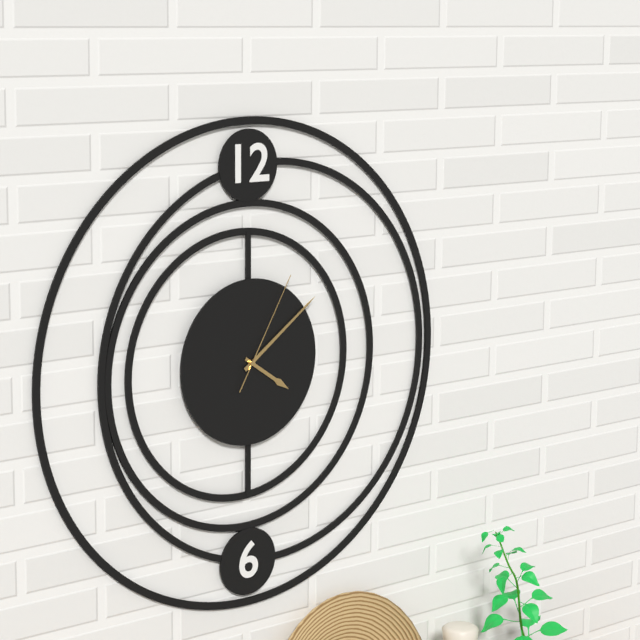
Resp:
**4:09:05**
